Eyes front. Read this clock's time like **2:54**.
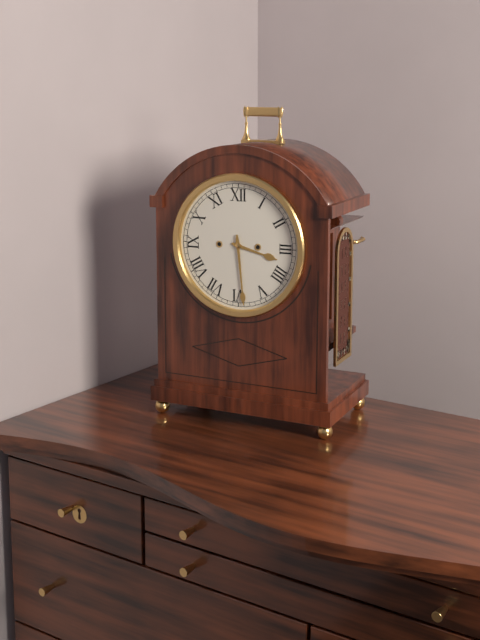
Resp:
**3:29**
